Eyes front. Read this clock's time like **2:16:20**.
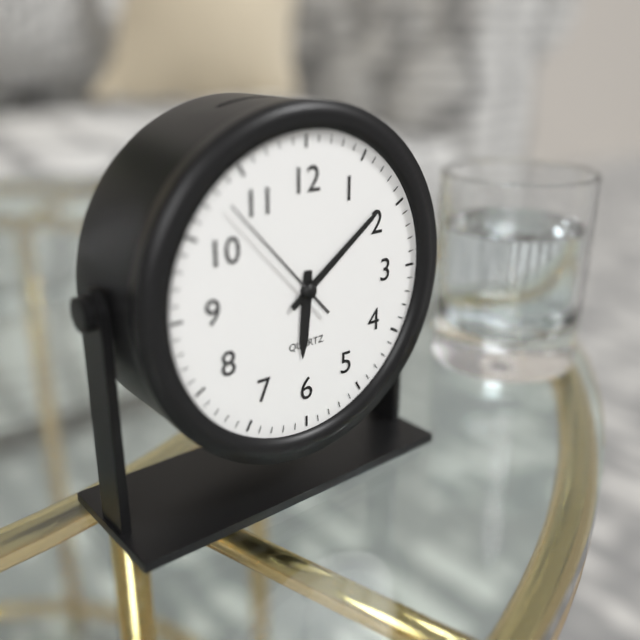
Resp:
**6:09:53**
